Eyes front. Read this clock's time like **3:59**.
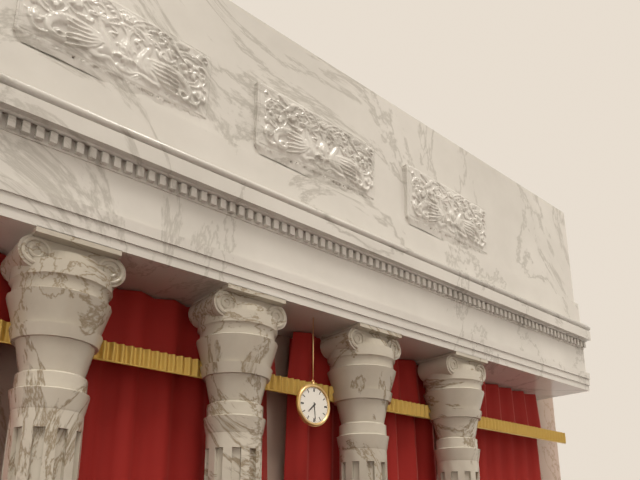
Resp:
**7:29**
